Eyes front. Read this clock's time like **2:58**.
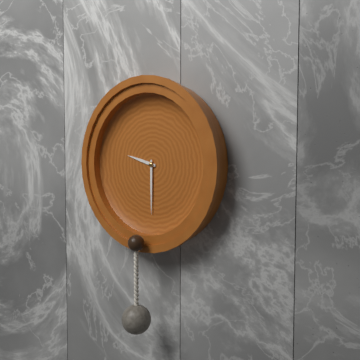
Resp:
**9:30**
